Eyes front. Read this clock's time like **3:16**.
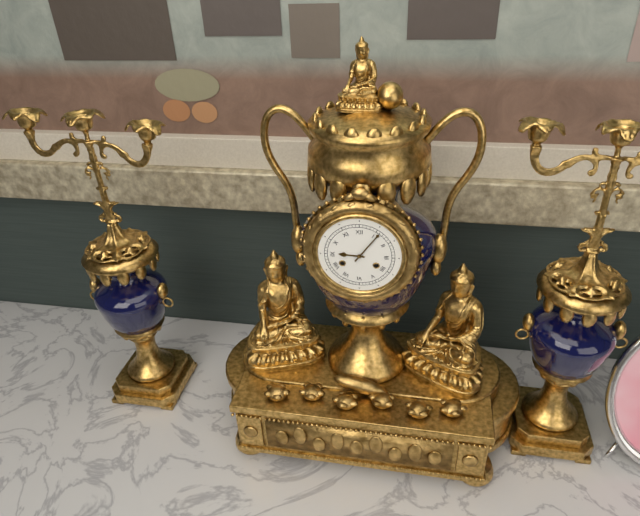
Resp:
**9:06**
